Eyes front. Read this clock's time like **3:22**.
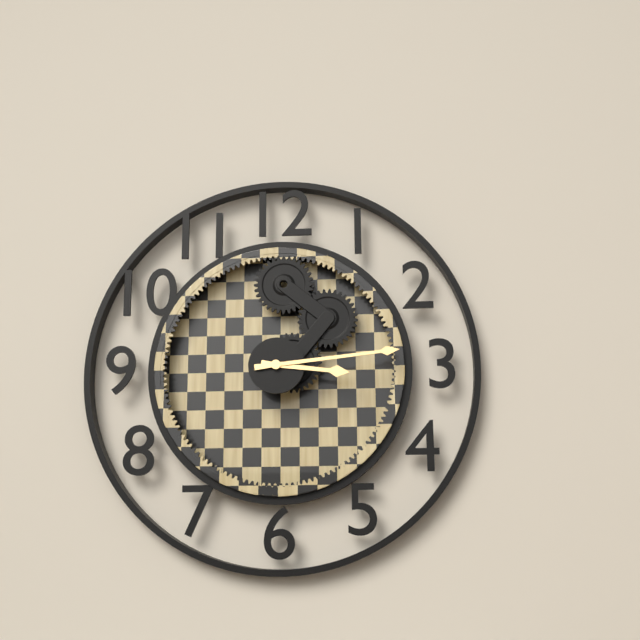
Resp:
**3:14**
